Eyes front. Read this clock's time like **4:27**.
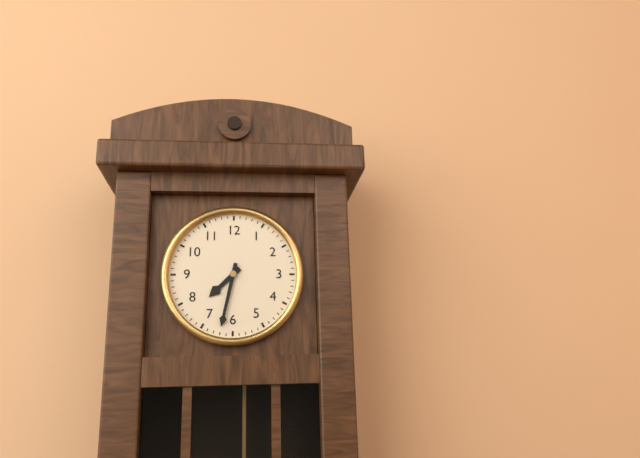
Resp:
**7:32**
